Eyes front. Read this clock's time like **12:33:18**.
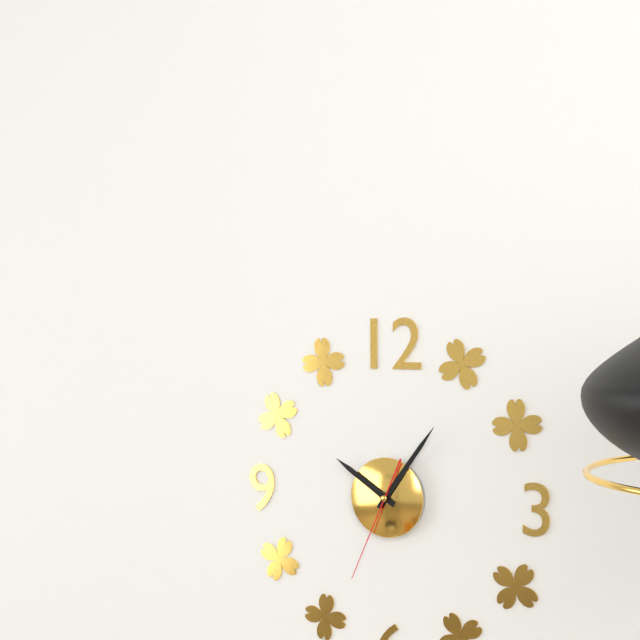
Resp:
**10:06:34**
